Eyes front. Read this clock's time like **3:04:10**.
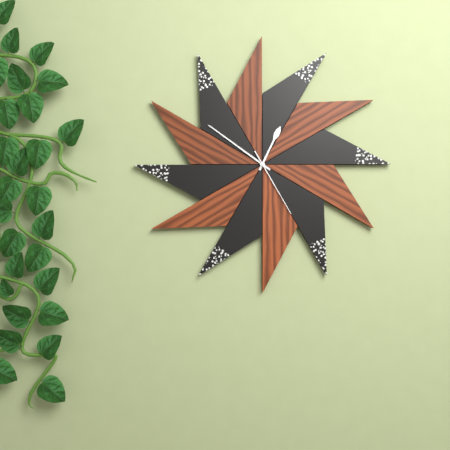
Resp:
**12:51:25**
